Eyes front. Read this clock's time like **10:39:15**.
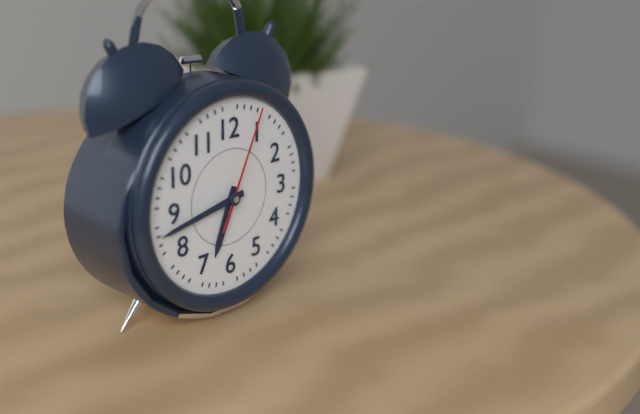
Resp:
**6:43:04**
